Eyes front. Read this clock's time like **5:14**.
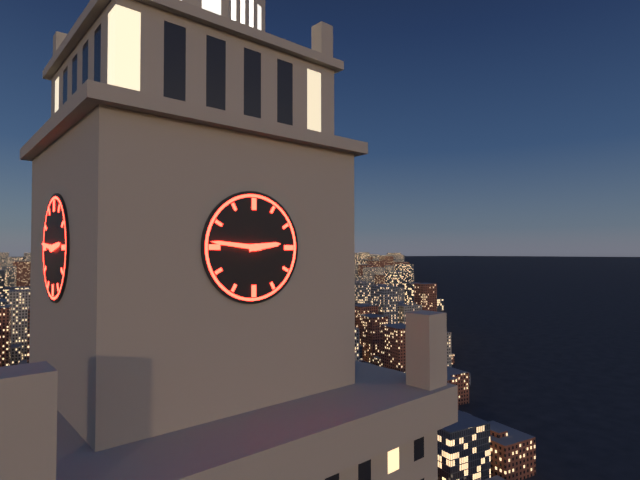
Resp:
**2:46**
